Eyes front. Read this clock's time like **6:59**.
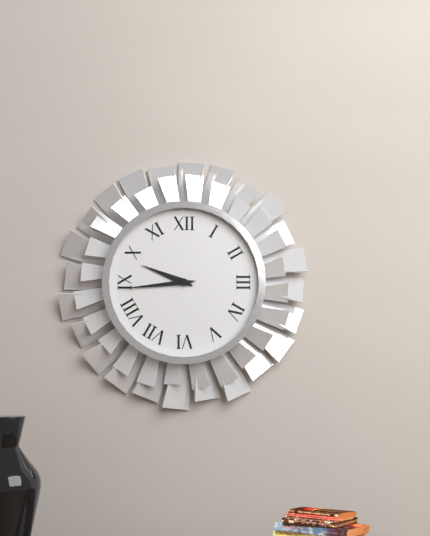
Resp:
**9:44**
